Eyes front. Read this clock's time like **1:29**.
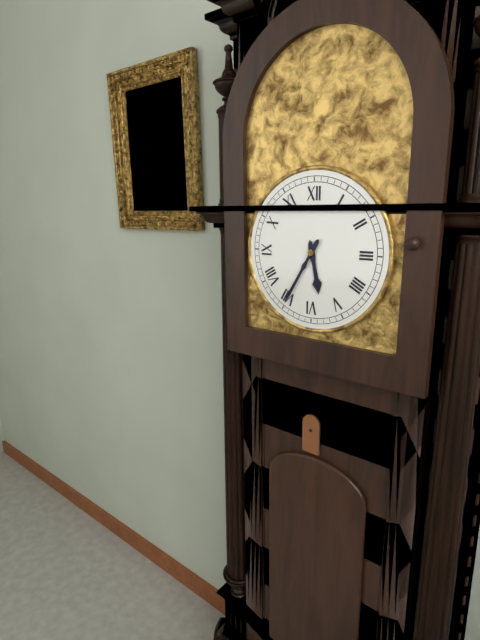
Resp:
**5:35**
